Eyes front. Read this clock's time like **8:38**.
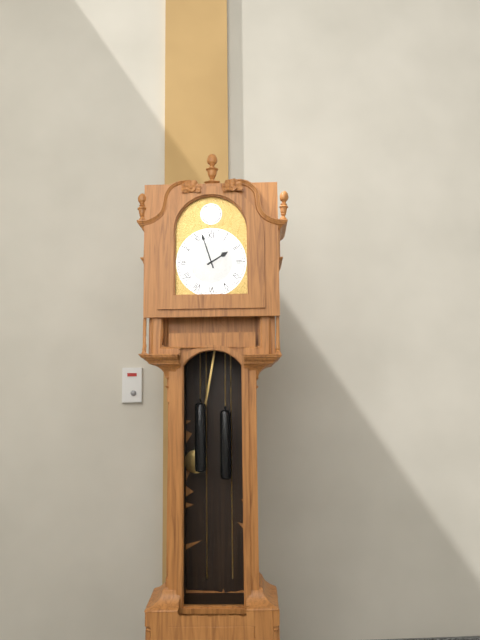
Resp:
**1:57**
